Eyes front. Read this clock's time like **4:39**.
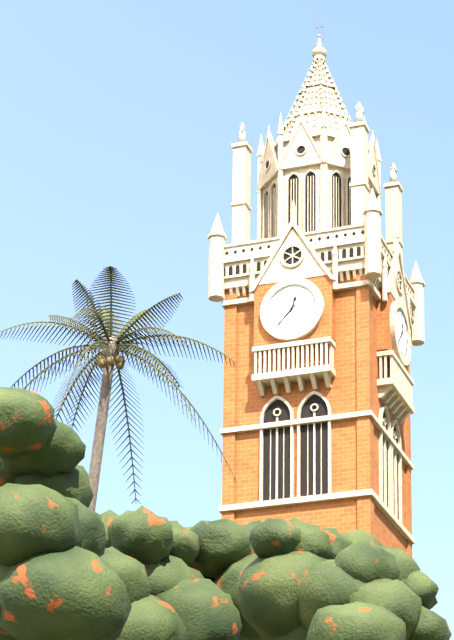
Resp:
**12:37**
